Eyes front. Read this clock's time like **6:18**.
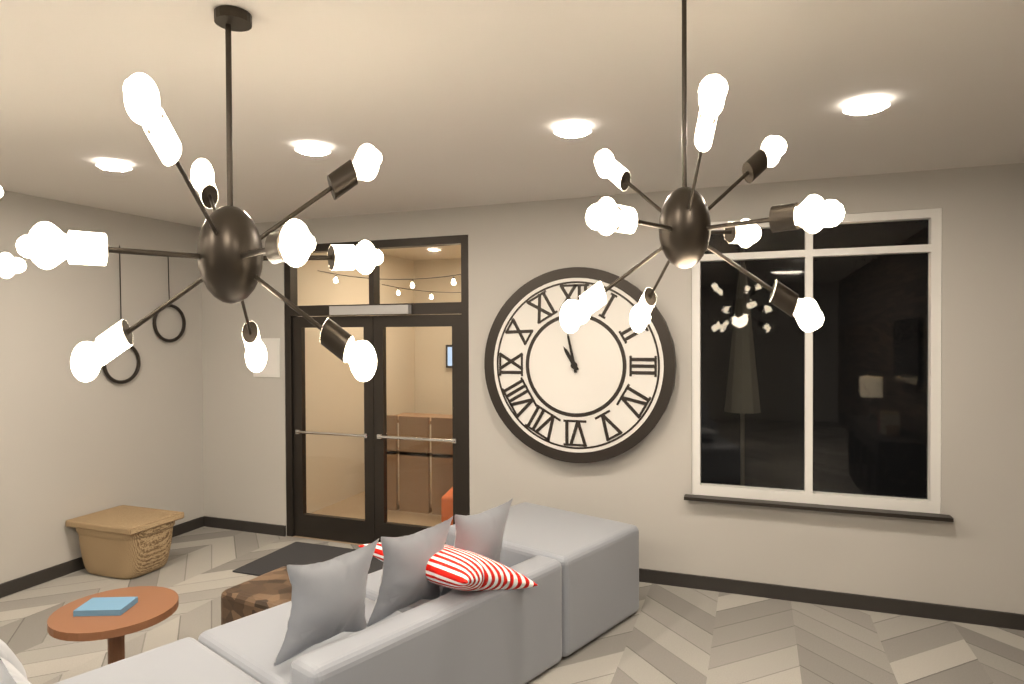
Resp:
**10:58**
